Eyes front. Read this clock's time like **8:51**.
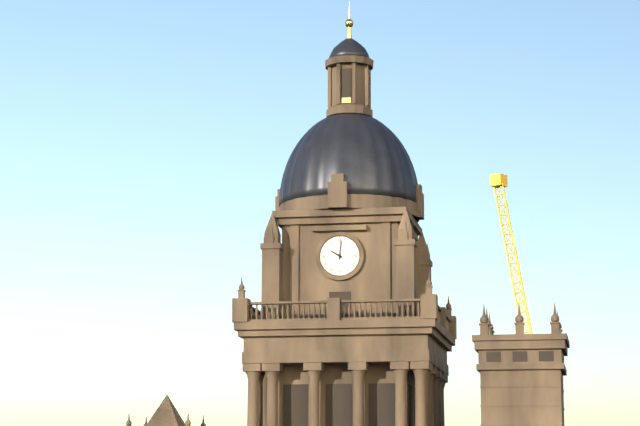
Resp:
**10:01**
